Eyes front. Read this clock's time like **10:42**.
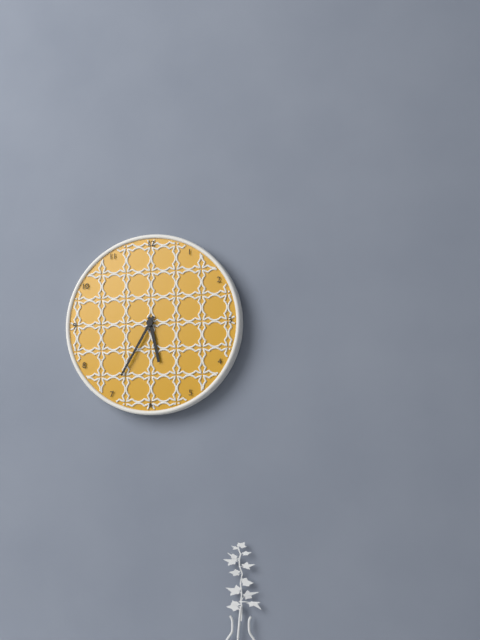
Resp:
**5:35**
